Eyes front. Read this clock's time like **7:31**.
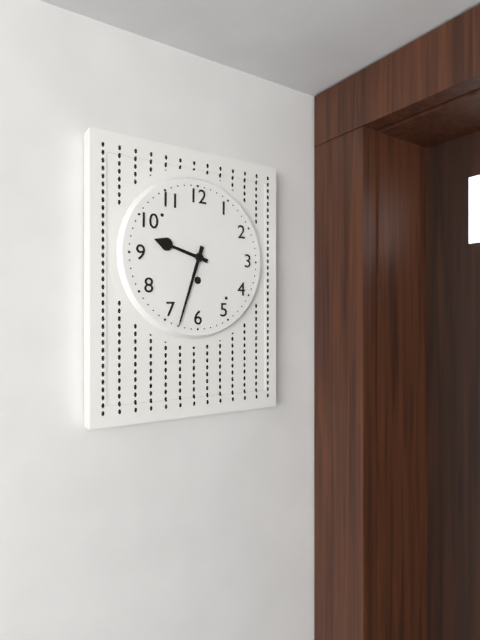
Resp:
**9:33**
